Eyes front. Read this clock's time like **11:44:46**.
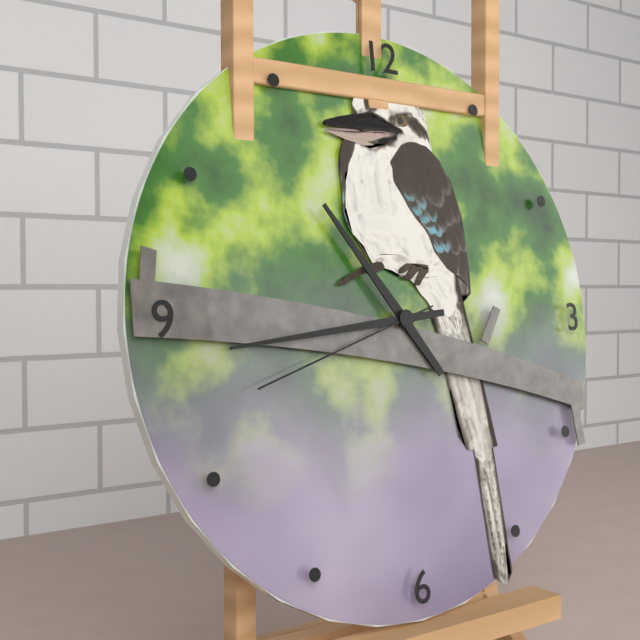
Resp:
**10:44:42**
